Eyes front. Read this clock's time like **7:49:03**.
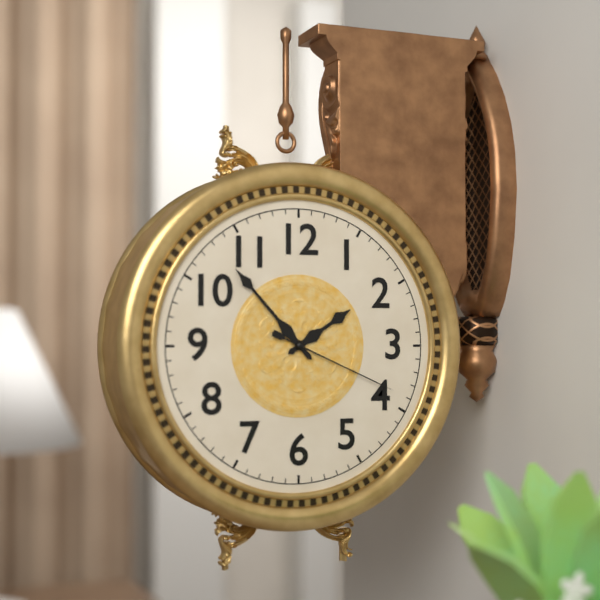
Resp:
**1:53:19**
